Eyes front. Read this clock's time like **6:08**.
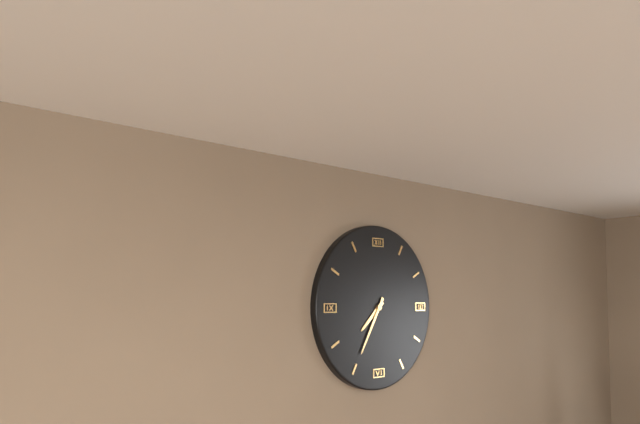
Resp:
**7:35**
